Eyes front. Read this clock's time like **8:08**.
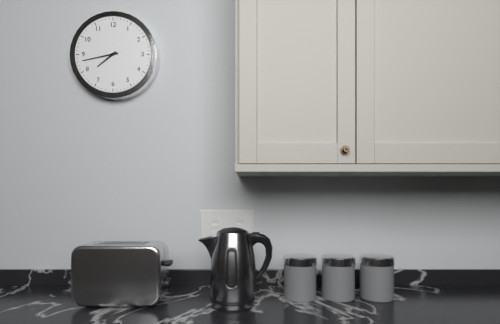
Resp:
**7:43**
